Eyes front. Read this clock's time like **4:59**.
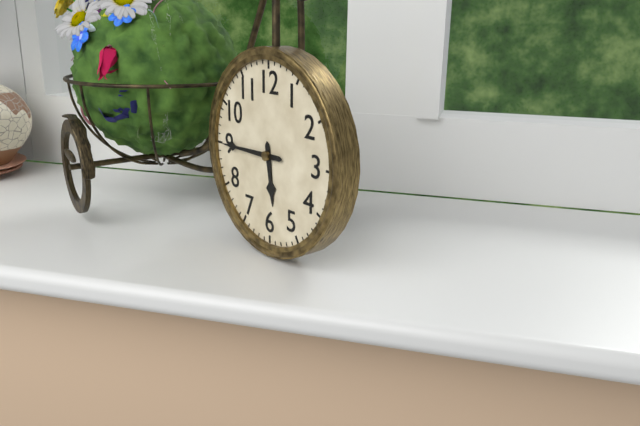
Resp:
**5:45**
